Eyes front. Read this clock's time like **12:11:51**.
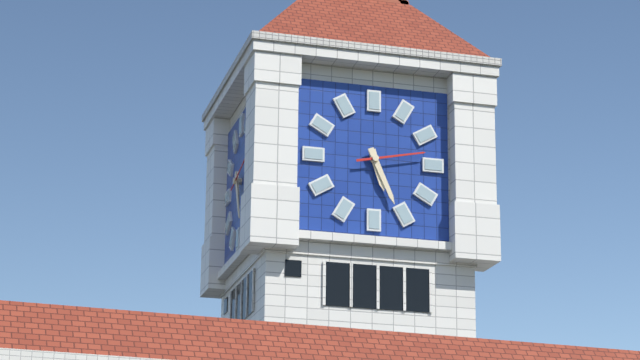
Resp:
**5:26:13**
